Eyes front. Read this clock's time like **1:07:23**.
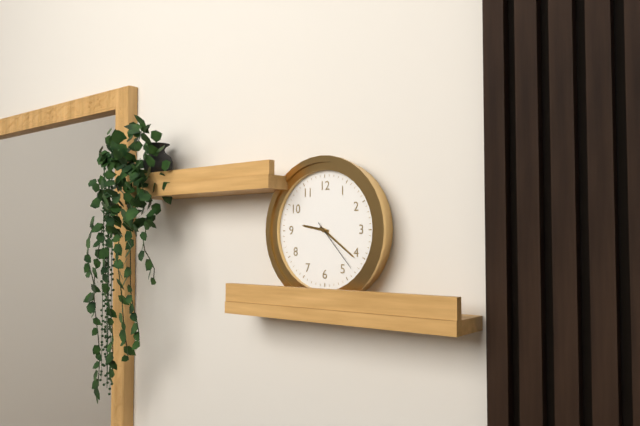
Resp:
**9:21:23**
